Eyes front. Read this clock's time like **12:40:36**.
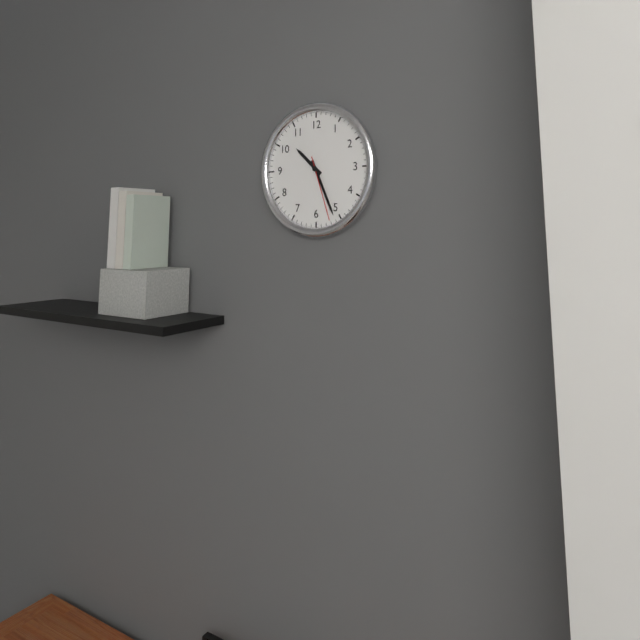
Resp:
**10:26:27**
